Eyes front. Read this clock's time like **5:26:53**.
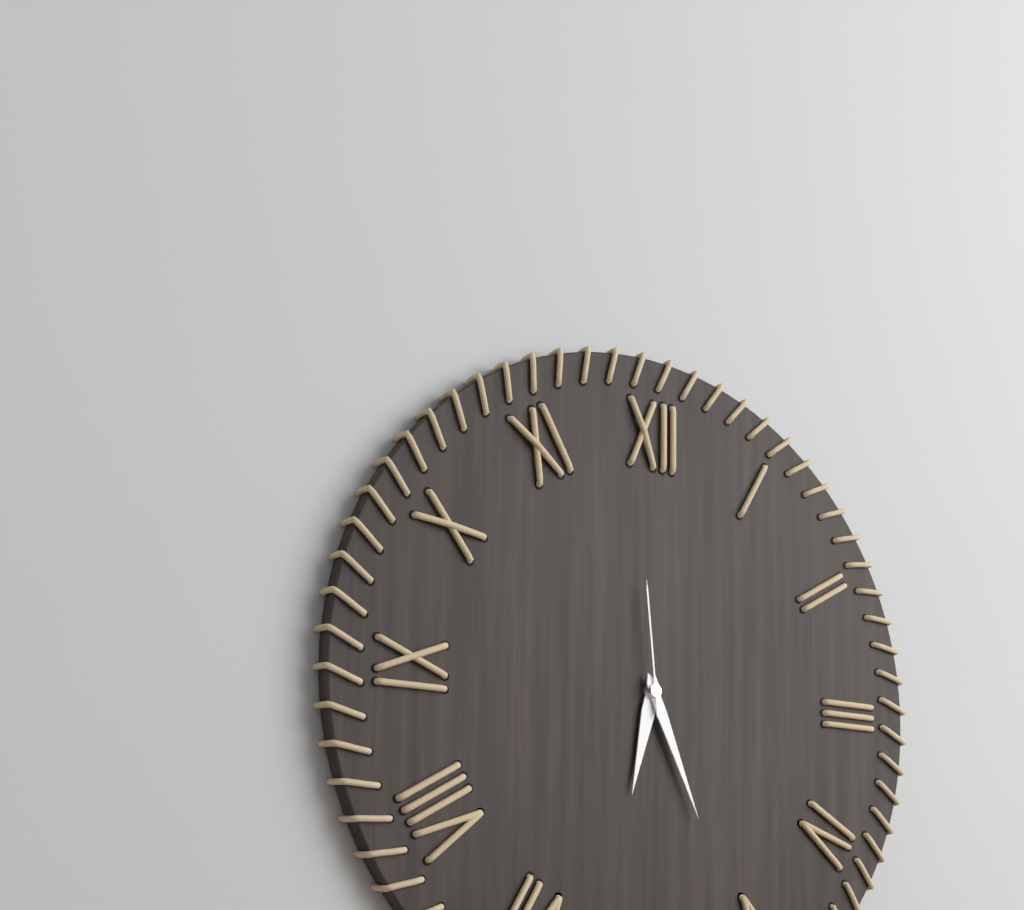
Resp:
**6:26:59**
